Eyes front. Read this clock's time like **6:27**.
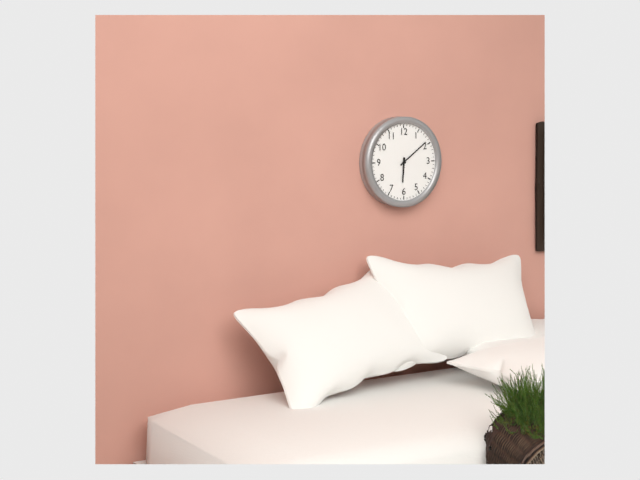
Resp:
**6:09**
